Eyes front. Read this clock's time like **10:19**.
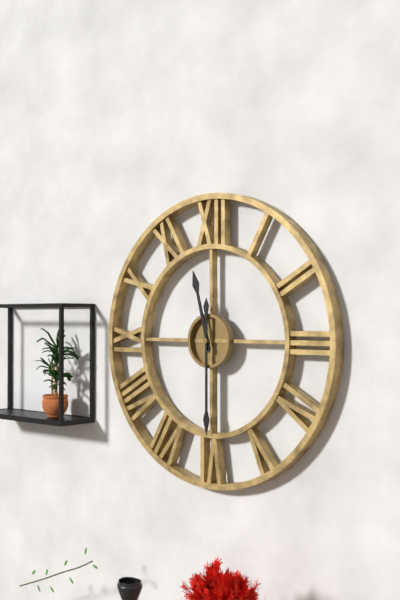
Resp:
**11:30**
